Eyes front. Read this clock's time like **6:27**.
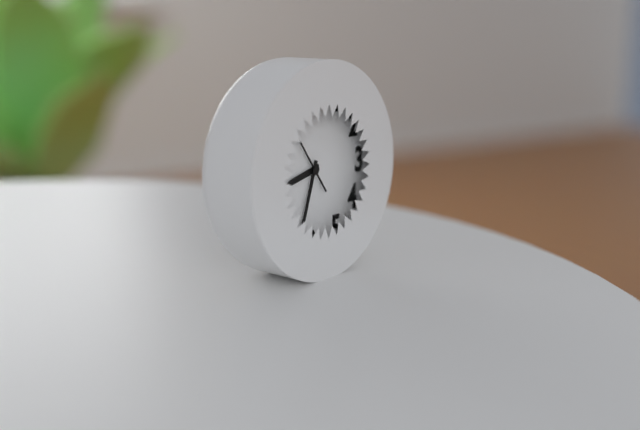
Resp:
**8:33**
